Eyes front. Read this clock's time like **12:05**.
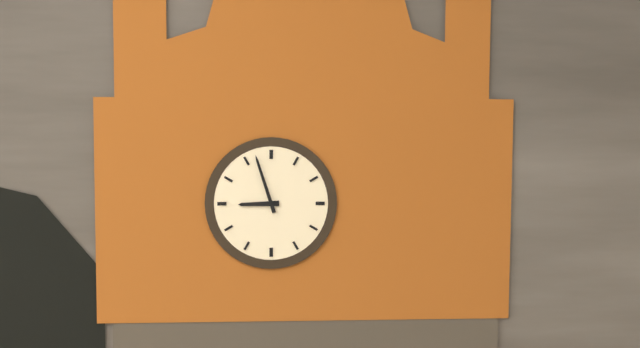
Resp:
**8:57**
